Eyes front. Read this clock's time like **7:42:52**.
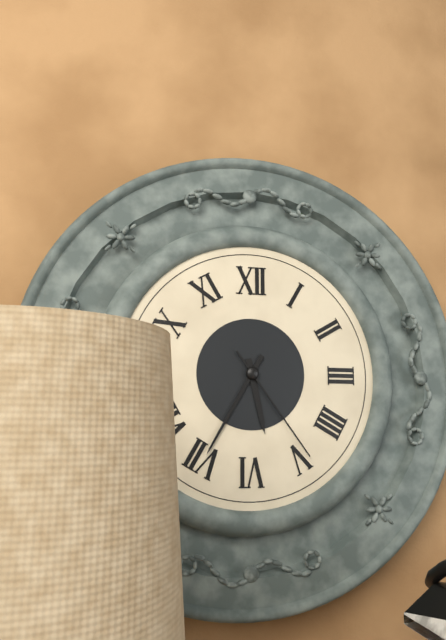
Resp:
**5:35:24**
